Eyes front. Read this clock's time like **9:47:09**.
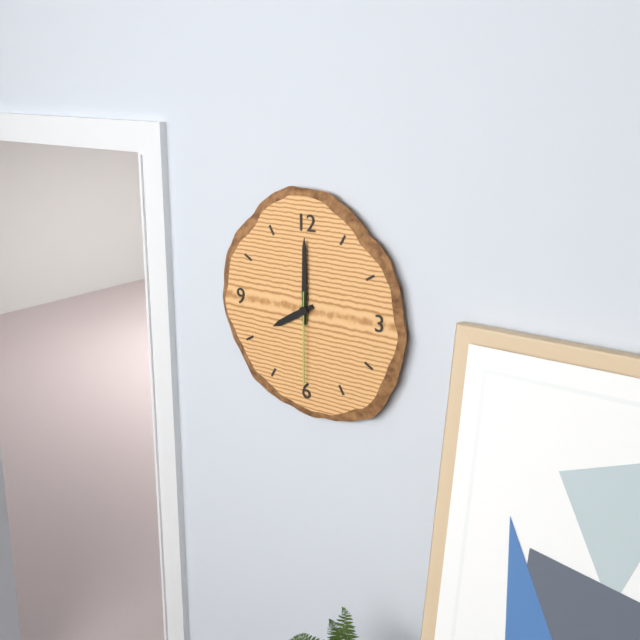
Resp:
**8:00:30**
